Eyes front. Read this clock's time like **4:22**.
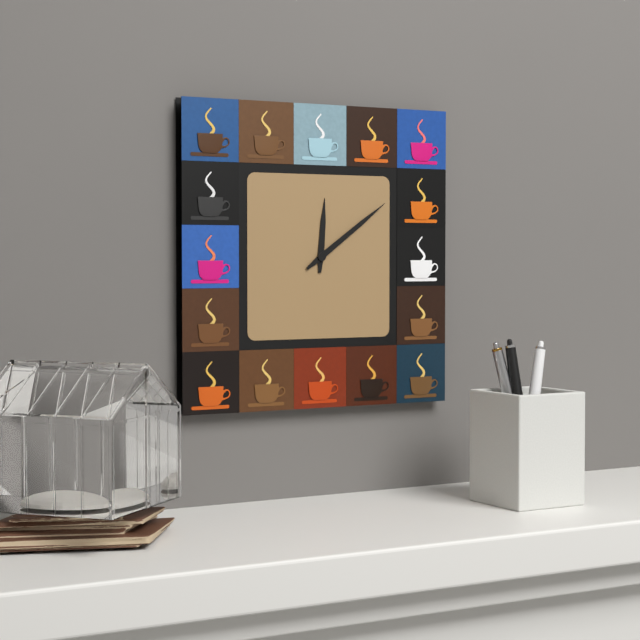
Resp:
**12:09**
